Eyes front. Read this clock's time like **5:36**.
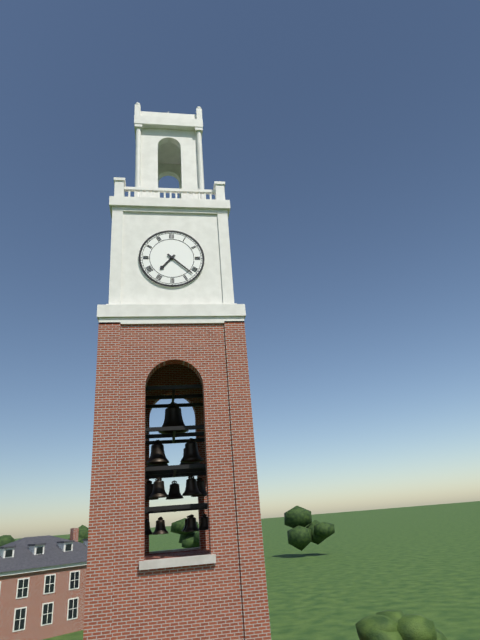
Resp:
**7:22**
